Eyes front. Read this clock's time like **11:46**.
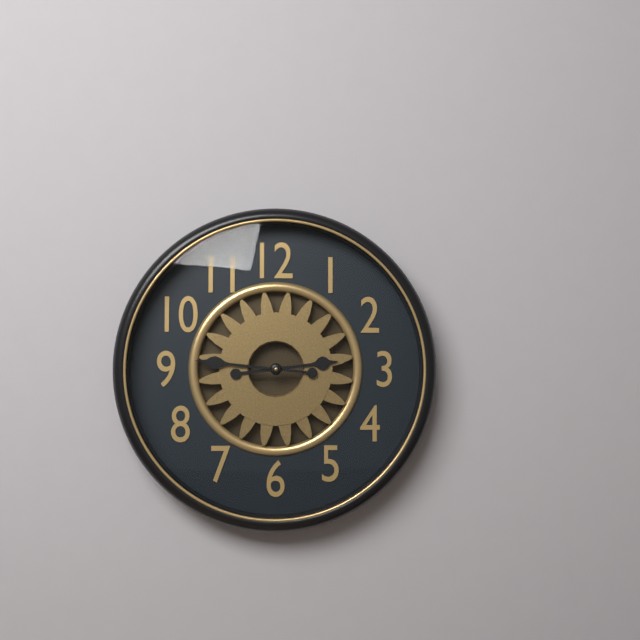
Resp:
**2:46**
